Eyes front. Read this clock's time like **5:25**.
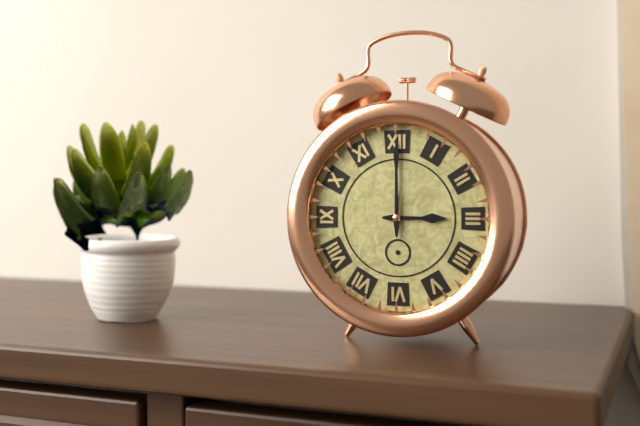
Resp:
**3:00**
